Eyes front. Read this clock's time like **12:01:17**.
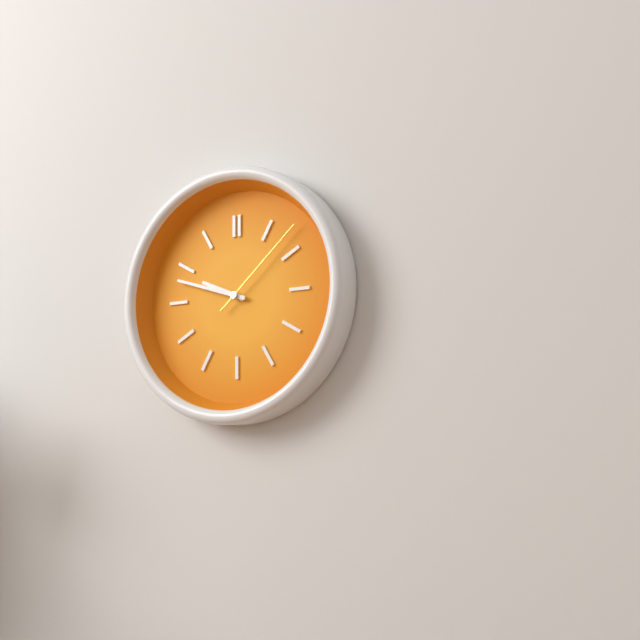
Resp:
**9:48:08**
